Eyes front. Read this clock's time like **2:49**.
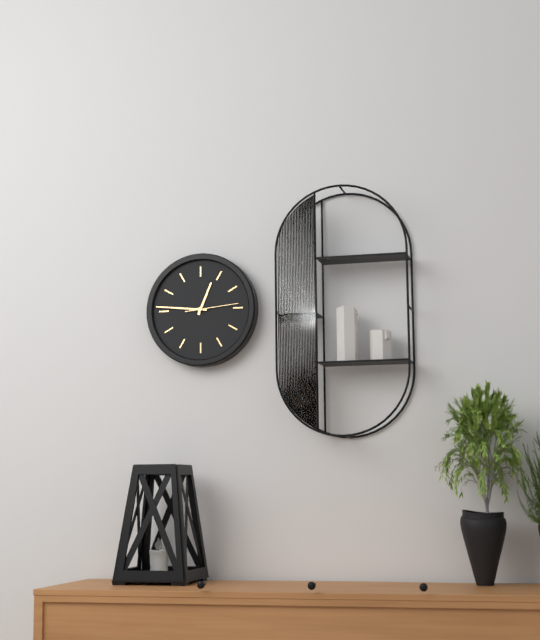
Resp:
**12:46**
